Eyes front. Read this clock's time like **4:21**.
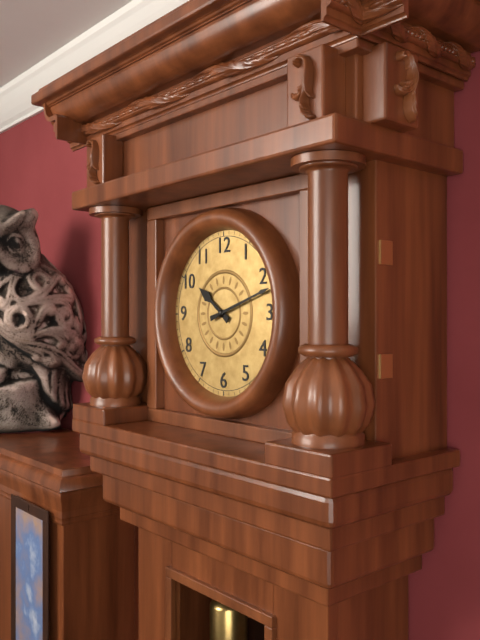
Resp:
**10:12**
